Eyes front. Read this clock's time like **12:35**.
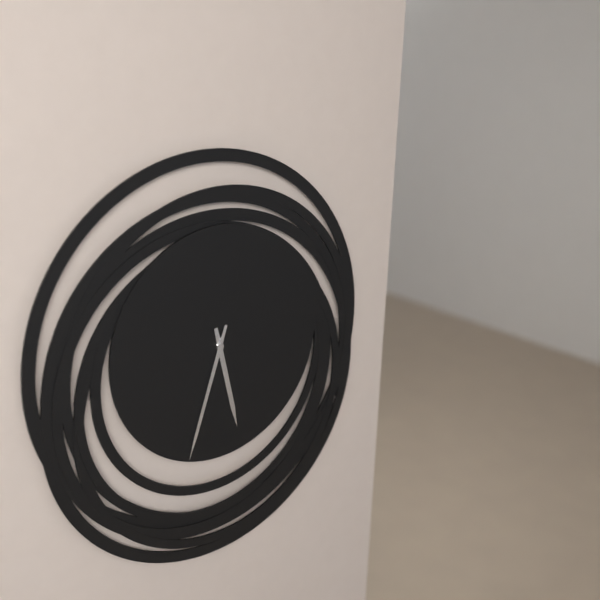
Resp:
**5:33**
